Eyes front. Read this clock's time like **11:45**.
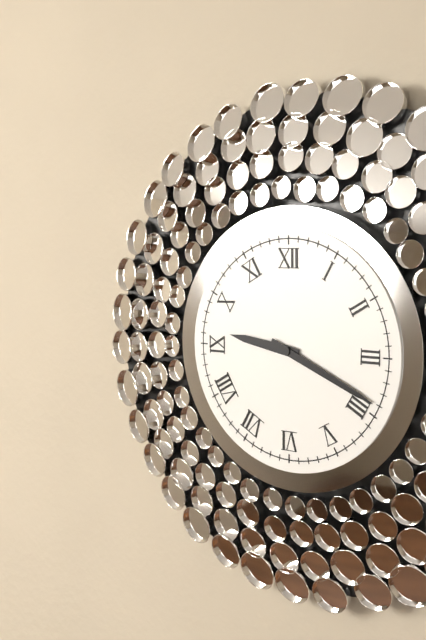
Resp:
**9:19**
